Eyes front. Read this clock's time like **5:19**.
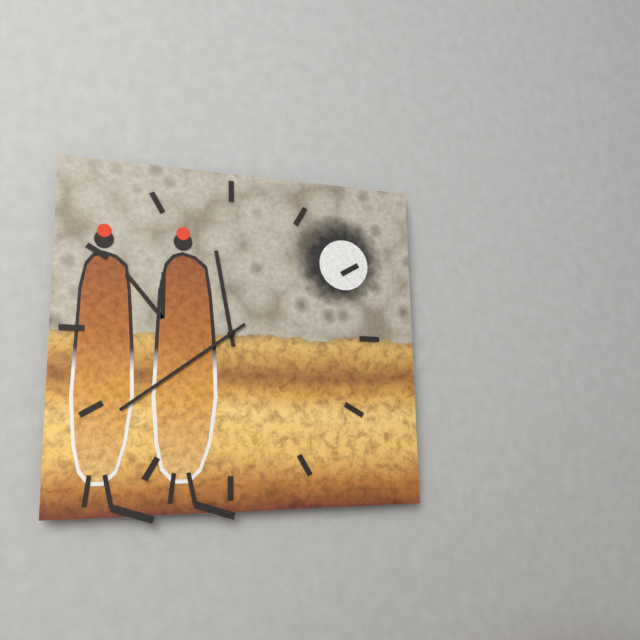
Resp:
**11:39**
